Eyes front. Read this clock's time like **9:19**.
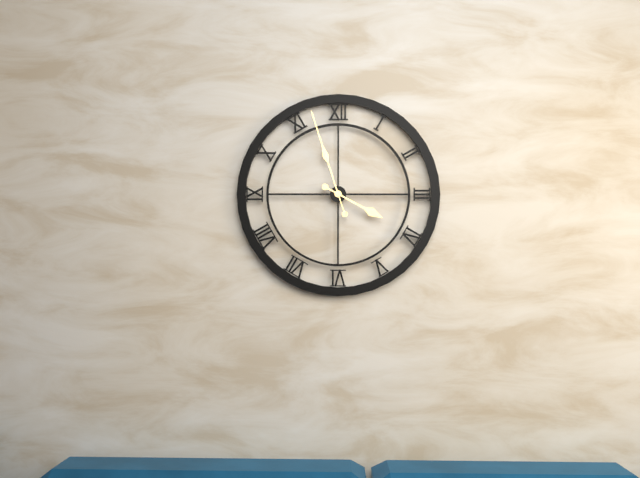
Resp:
**3:57**
